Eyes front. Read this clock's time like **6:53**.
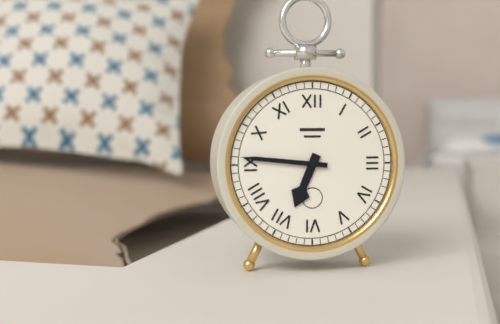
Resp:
**6:46**
